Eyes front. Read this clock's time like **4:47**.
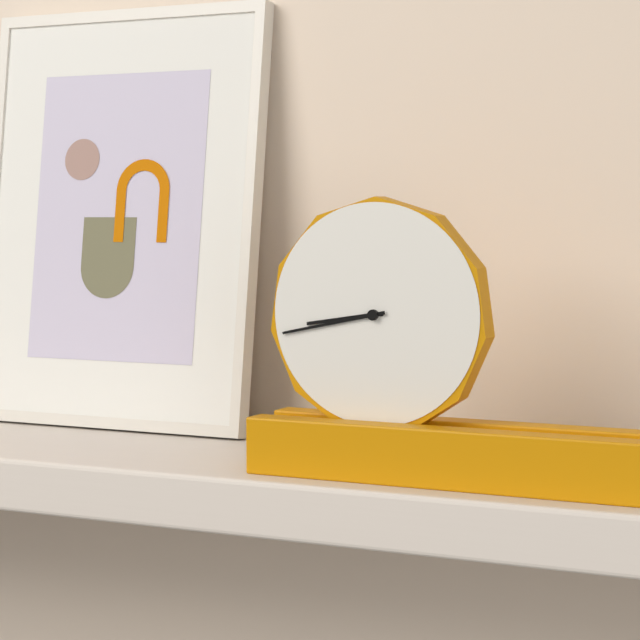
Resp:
**8:43**
